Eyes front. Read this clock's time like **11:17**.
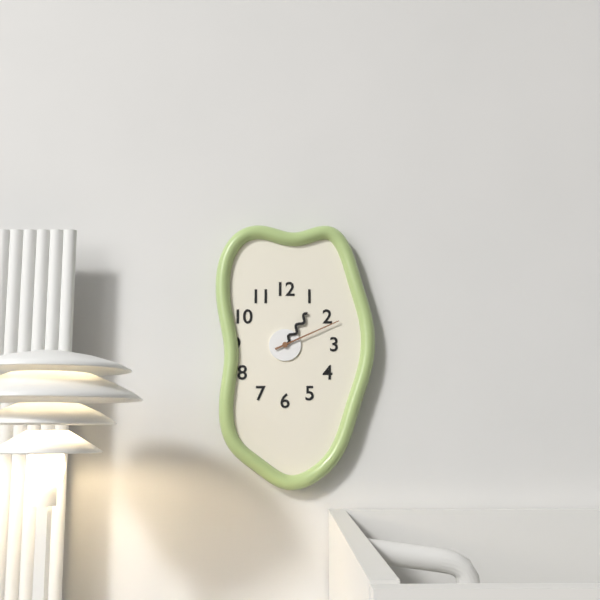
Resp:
**1:11**
